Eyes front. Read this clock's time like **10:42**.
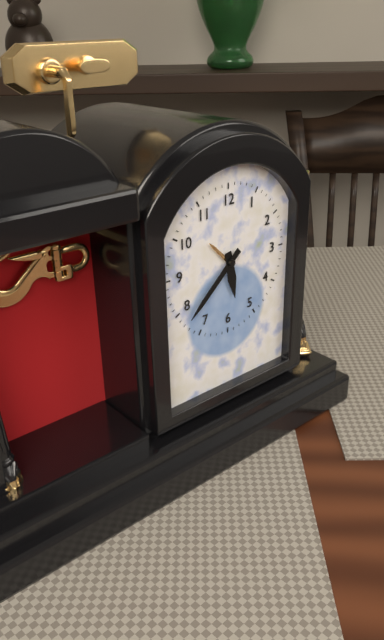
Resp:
**5:38**
